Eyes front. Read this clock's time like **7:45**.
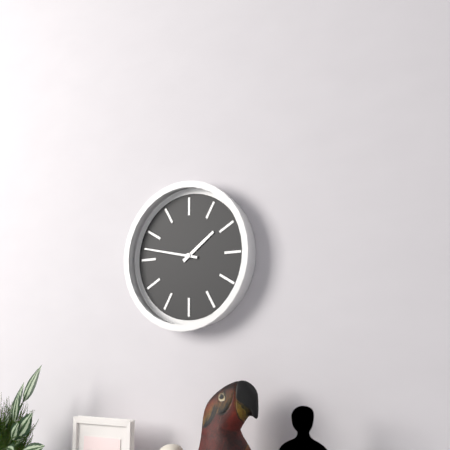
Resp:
**1:47**
